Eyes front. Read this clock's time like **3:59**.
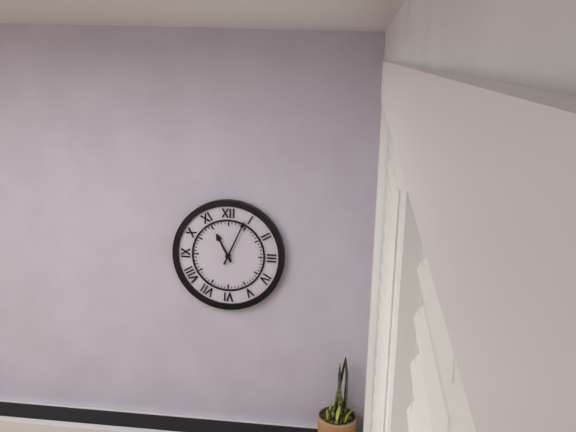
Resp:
**11:04**
